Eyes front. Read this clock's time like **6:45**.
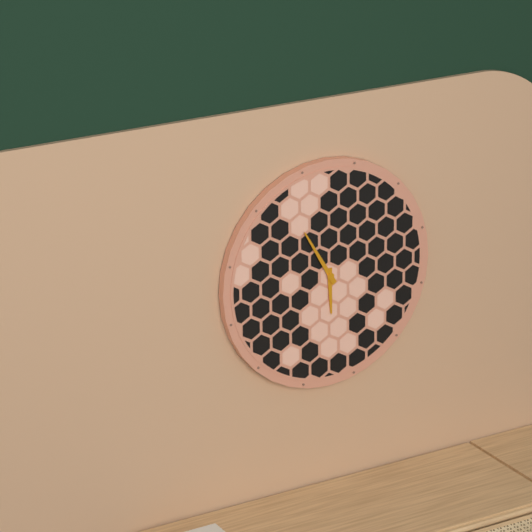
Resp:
**5:55**
